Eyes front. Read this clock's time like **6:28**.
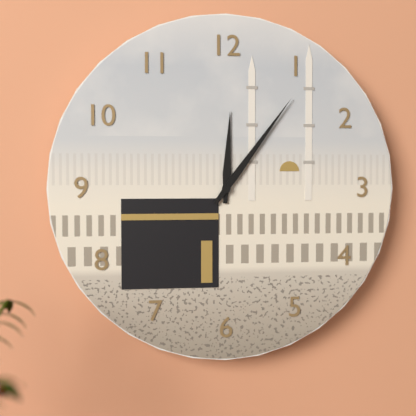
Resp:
**12:06**
